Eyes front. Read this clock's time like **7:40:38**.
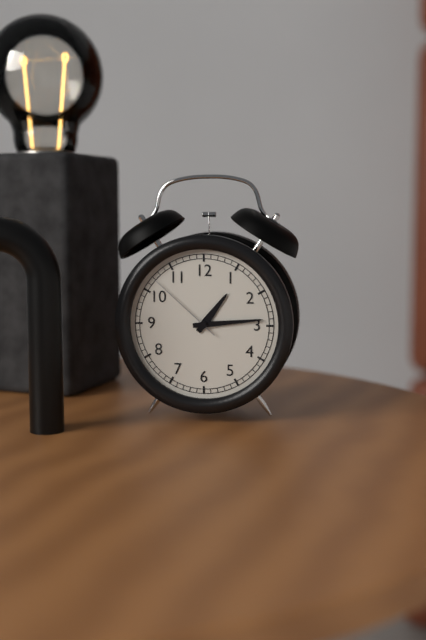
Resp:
**1:14:52**
